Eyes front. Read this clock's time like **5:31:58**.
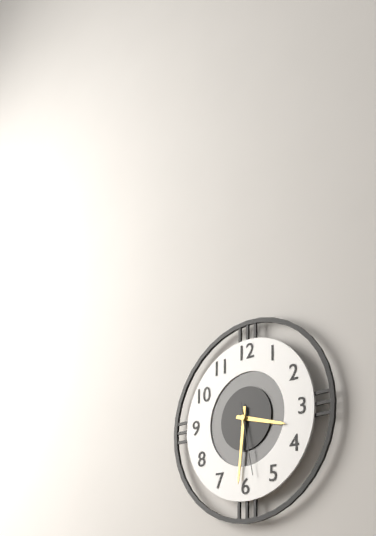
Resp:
**3:31:28**
